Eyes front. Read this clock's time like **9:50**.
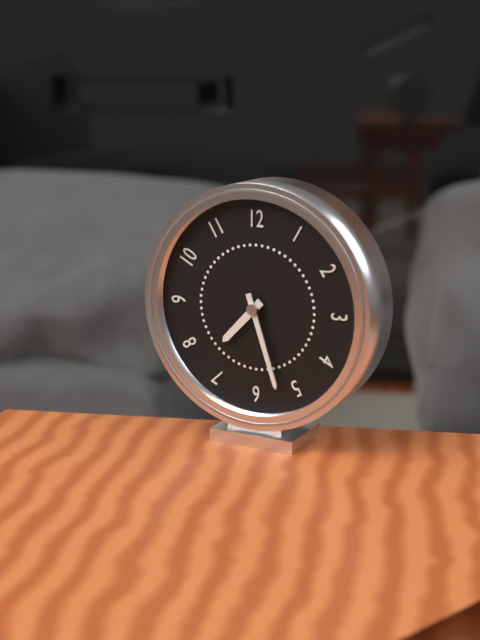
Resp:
**7:27**
